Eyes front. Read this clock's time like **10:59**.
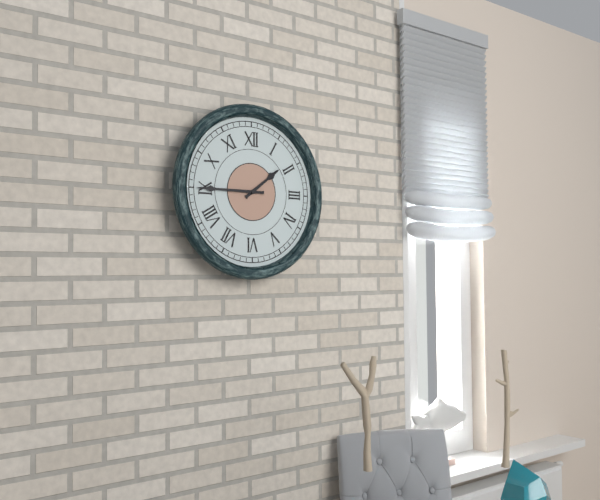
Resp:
**1:45**
